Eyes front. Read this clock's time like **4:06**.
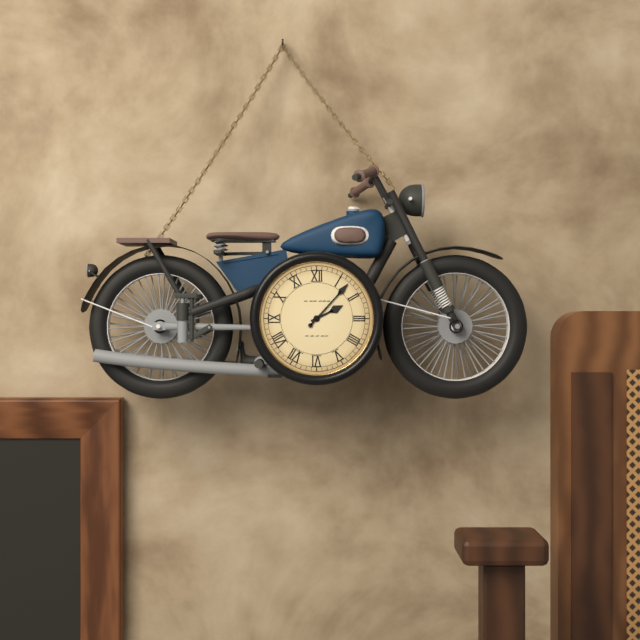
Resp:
**2:07**
